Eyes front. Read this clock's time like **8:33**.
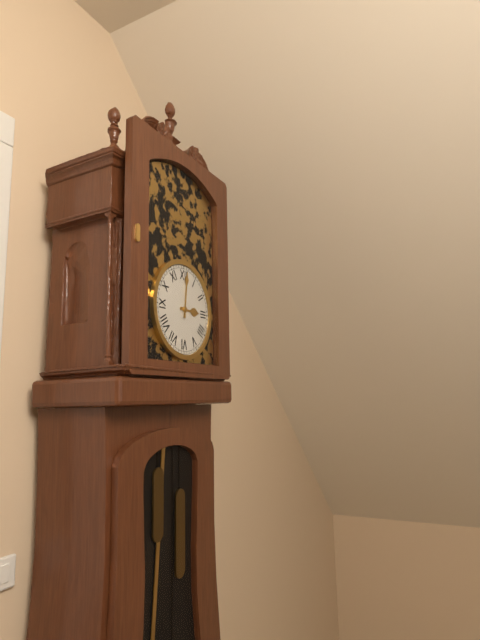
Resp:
**3:01**
